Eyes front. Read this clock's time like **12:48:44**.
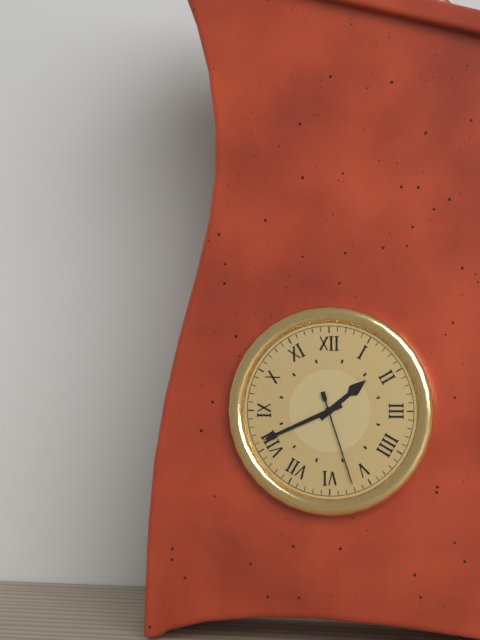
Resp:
**1:41:27**
